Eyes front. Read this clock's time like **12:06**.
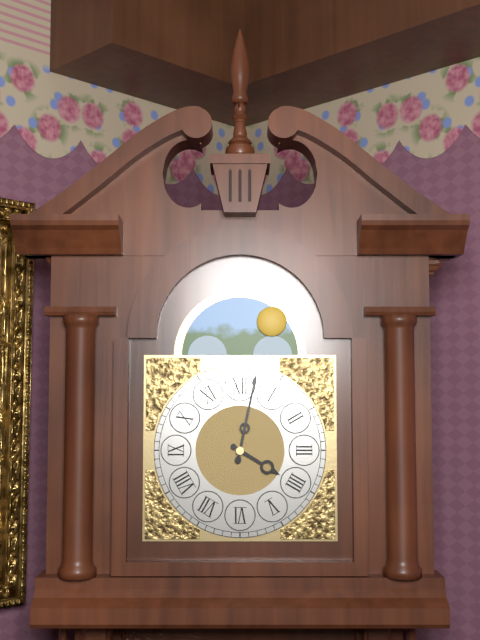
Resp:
**4:02**
